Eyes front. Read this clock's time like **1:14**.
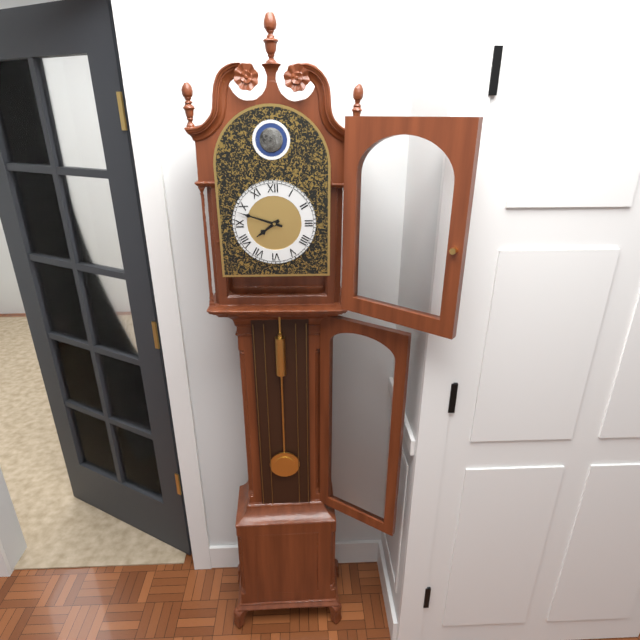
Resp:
**7:48**
